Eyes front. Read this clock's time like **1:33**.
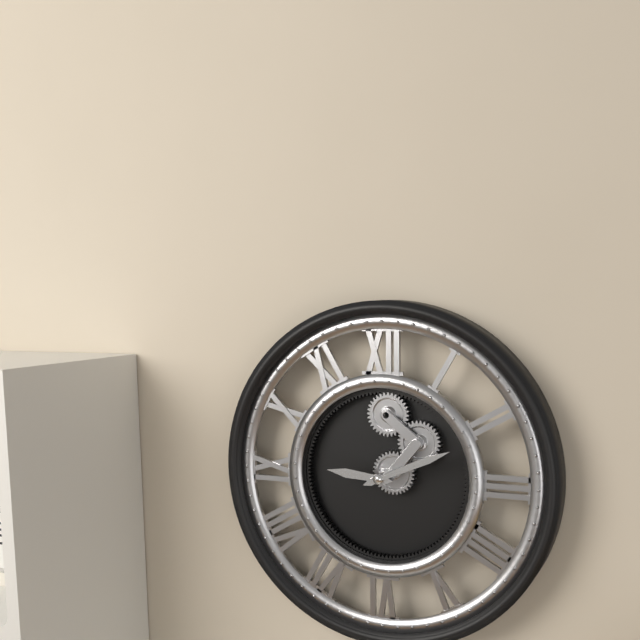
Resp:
**9:11**
